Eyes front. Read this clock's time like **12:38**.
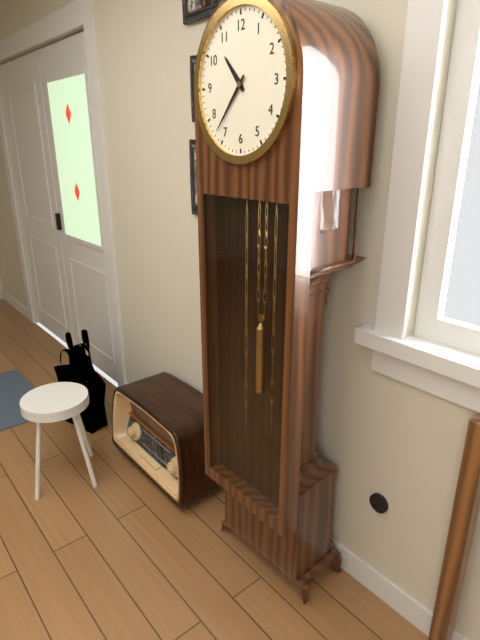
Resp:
**10:37**
